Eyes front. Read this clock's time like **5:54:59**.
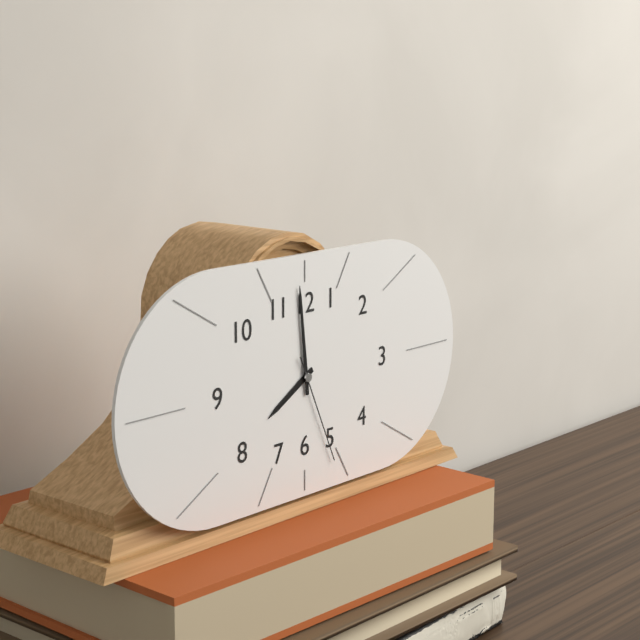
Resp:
**7:59:26**
